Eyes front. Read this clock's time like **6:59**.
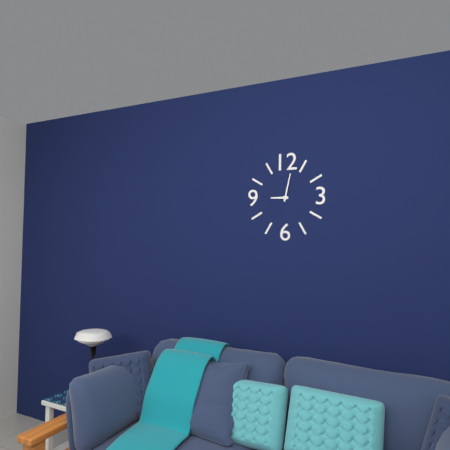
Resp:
**9:02**
